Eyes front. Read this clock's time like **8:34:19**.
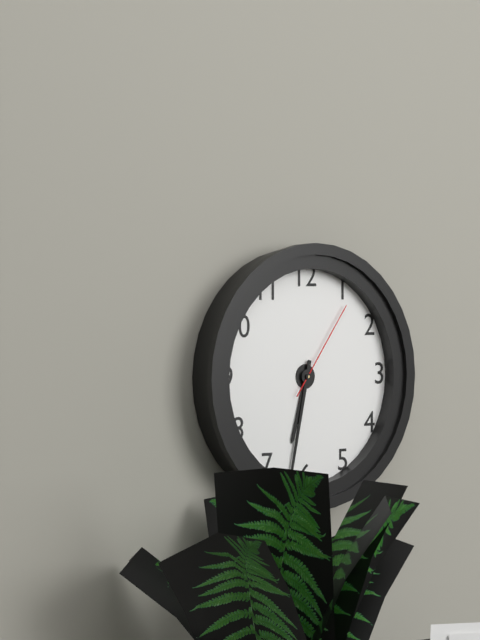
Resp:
**6:32:06**
